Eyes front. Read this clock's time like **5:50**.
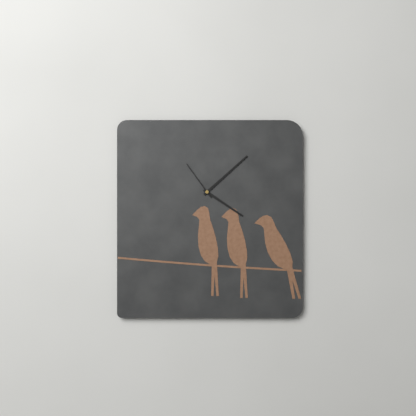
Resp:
**4:08**
